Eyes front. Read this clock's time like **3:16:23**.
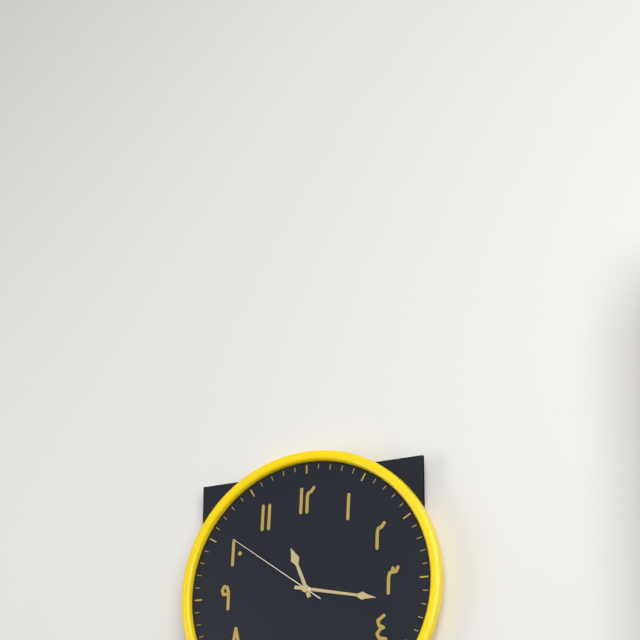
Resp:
**11:17:51**
